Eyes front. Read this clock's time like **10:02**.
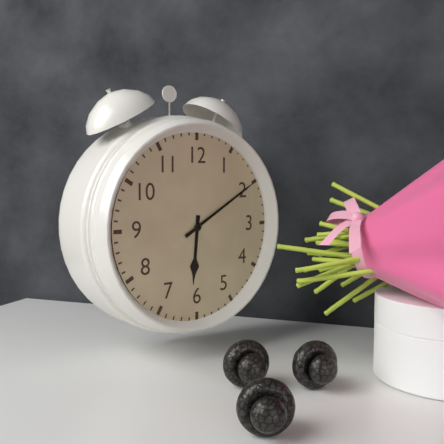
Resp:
**6:10**
